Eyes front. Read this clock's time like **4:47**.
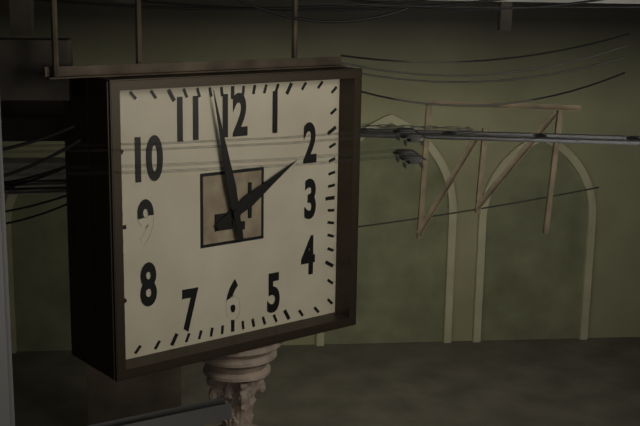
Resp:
**1:58**
